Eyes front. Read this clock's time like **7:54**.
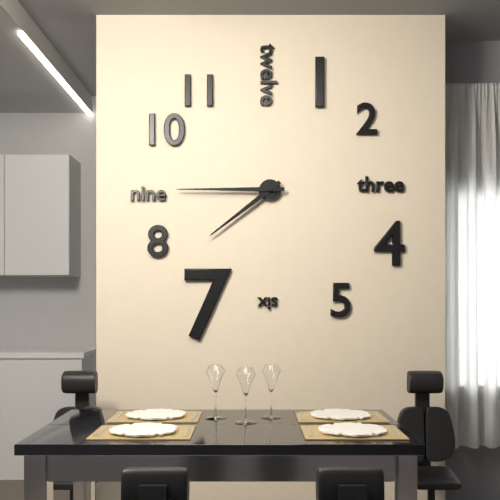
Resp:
**7:45**
